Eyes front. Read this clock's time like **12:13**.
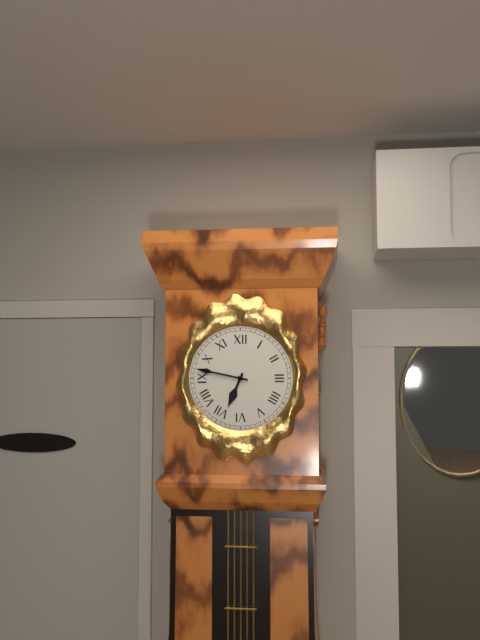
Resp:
**6:47**
